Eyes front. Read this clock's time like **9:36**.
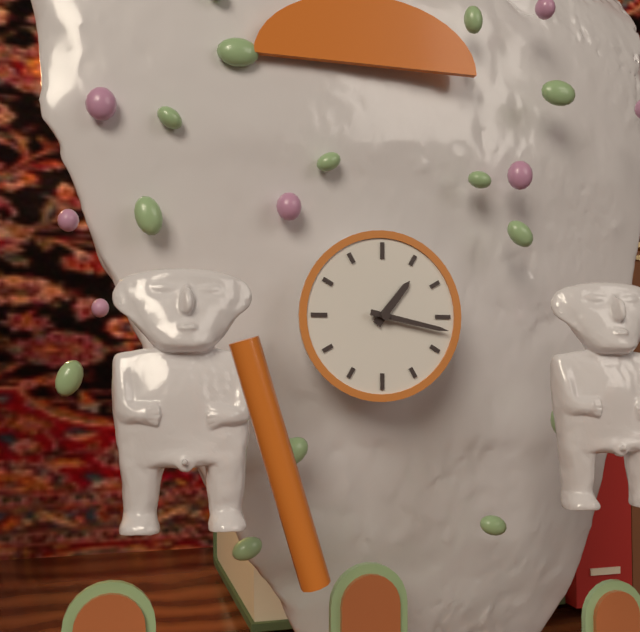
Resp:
**1:17**
